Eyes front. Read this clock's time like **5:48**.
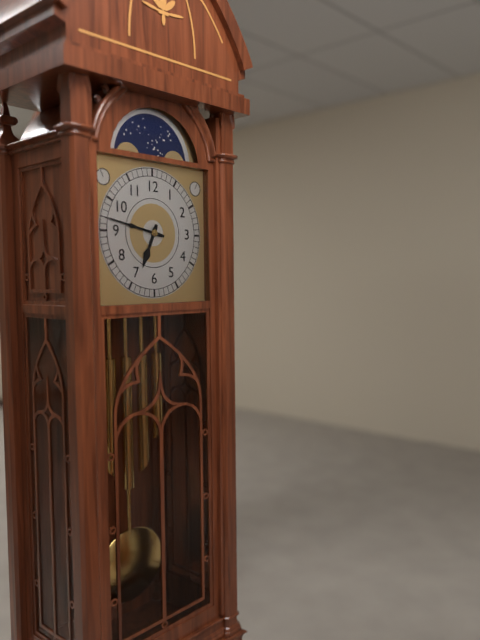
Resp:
**6:47**
